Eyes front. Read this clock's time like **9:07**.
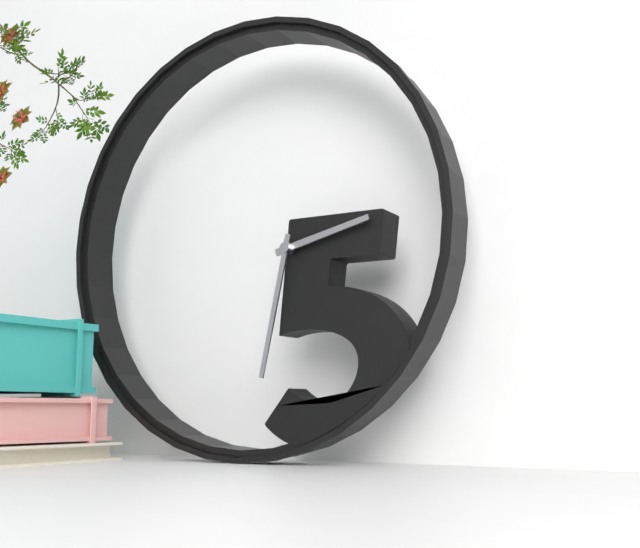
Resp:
**2:32**
